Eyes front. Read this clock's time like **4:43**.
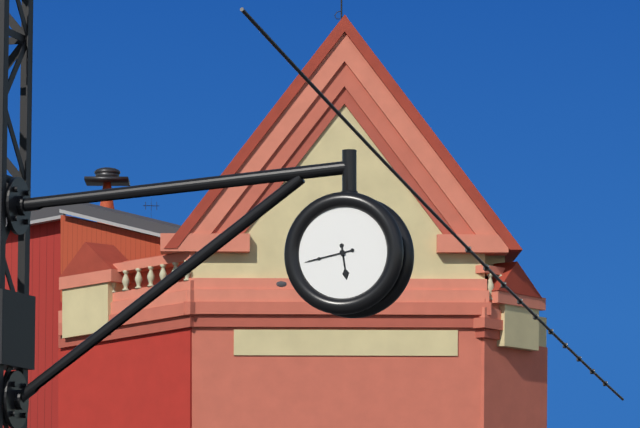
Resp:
**5:43**
